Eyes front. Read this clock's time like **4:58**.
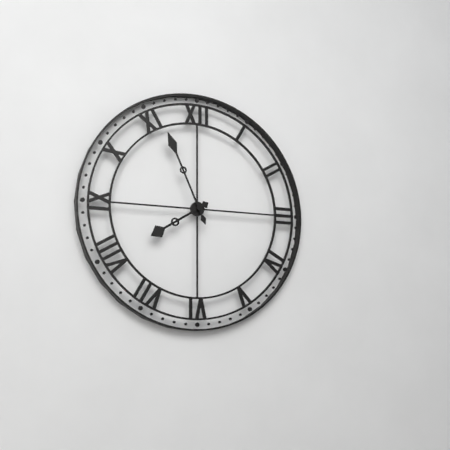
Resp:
**7:56**
